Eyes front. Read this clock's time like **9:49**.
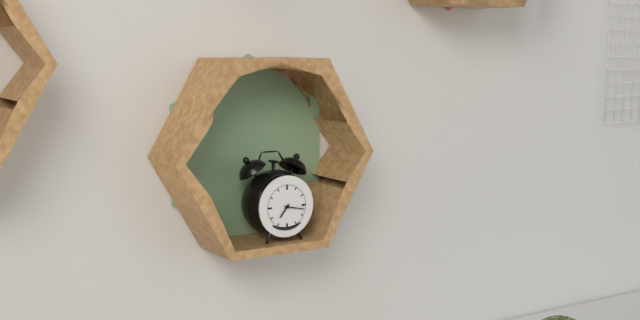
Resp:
**7:17**
